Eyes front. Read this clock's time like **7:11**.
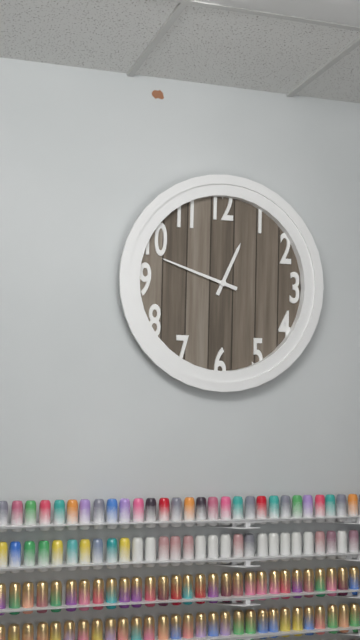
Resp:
**12:48**
